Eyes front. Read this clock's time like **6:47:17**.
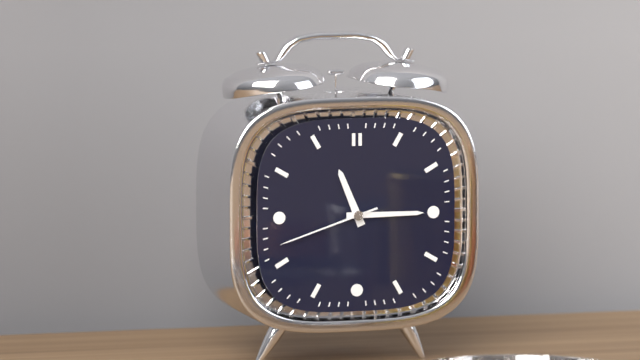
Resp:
**11:15:42**
